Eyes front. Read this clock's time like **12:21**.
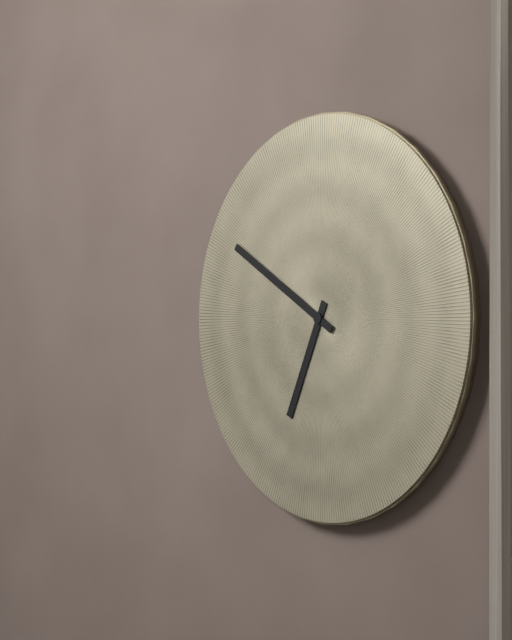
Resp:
**6:50**
